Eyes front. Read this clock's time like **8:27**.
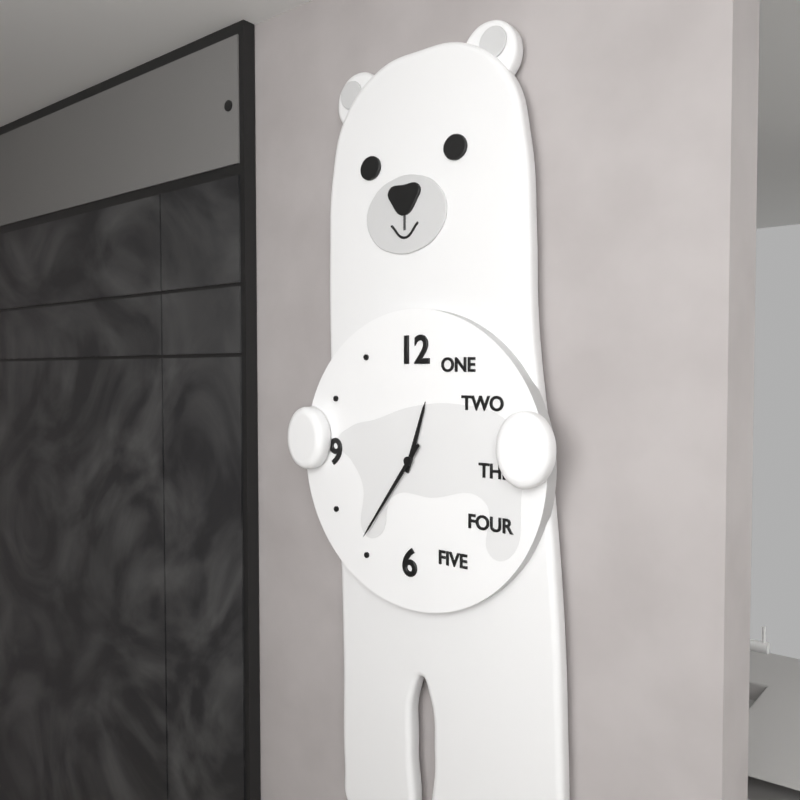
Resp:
**12:36**
